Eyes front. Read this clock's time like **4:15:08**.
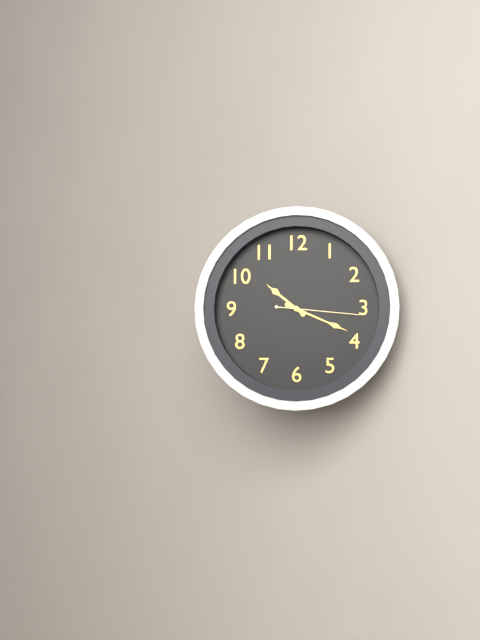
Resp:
**10:19:16**
